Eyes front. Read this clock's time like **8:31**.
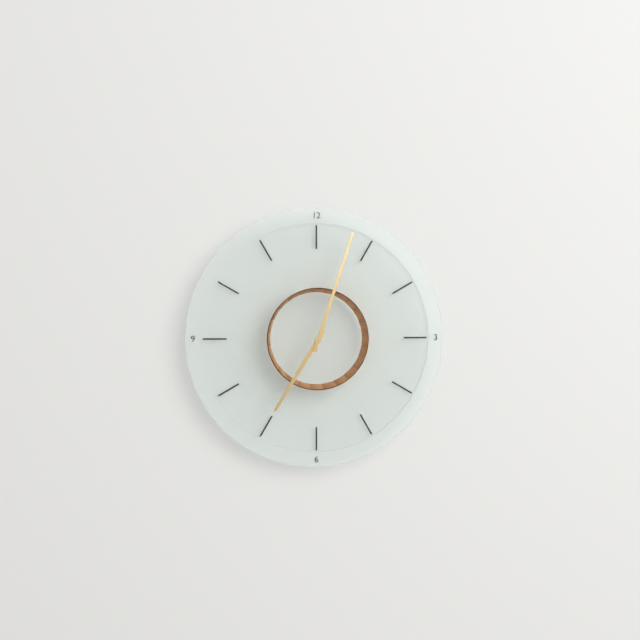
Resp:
**7:03**
